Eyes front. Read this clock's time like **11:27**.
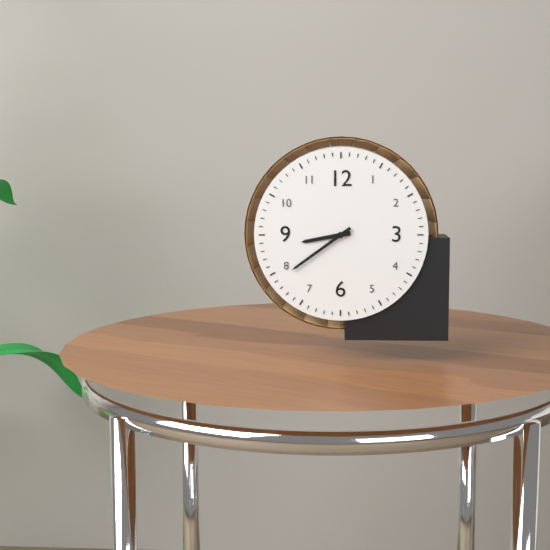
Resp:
**8:39**
